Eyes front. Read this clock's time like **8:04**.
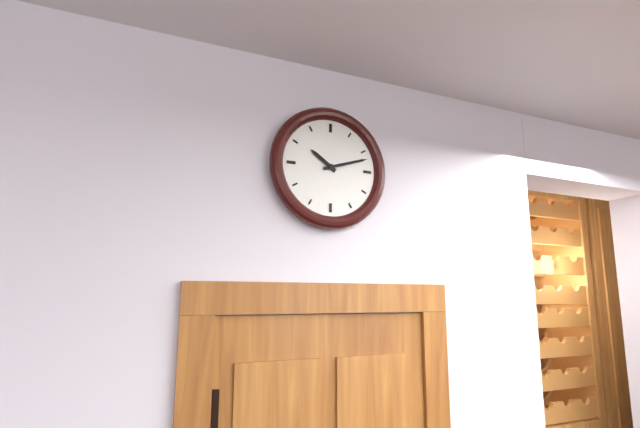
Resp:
**10:12**
